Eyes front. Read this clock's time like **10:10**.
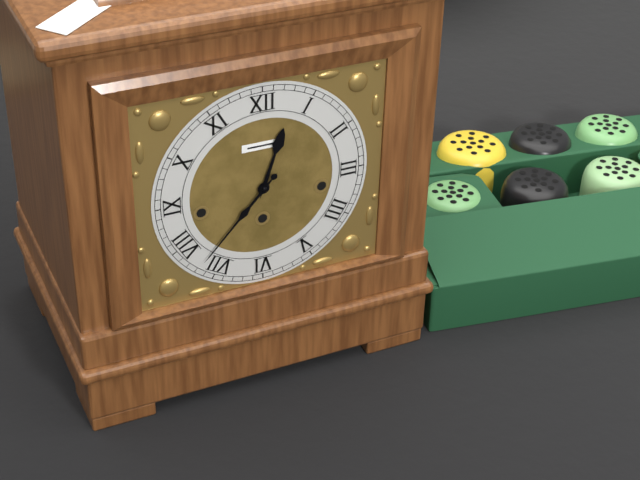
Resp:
**12:37**
